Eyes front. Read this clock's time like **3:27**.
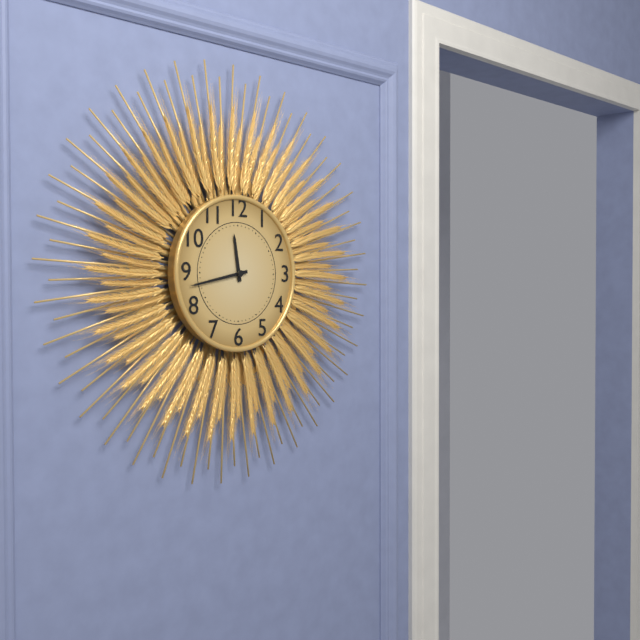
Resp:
**11:43**
